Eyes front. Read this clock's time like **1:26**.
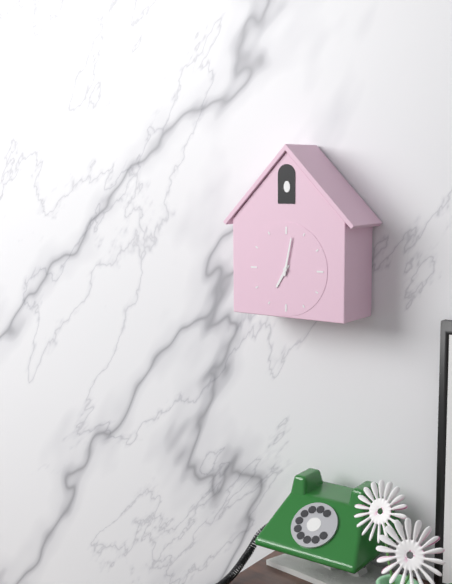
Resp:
**7:02**
